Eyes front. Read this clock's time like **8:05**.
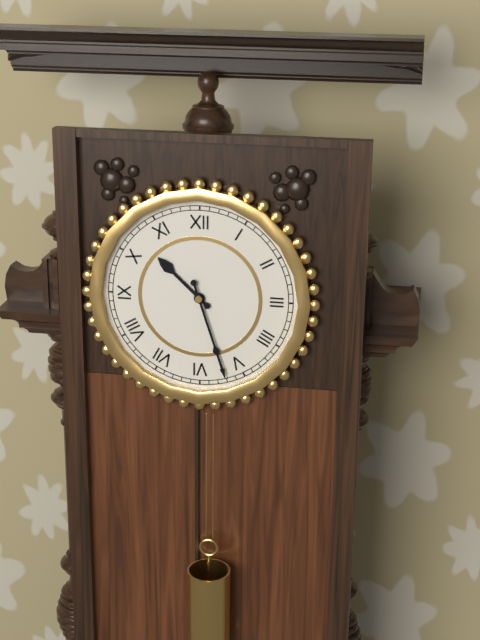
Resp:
**10:27**
